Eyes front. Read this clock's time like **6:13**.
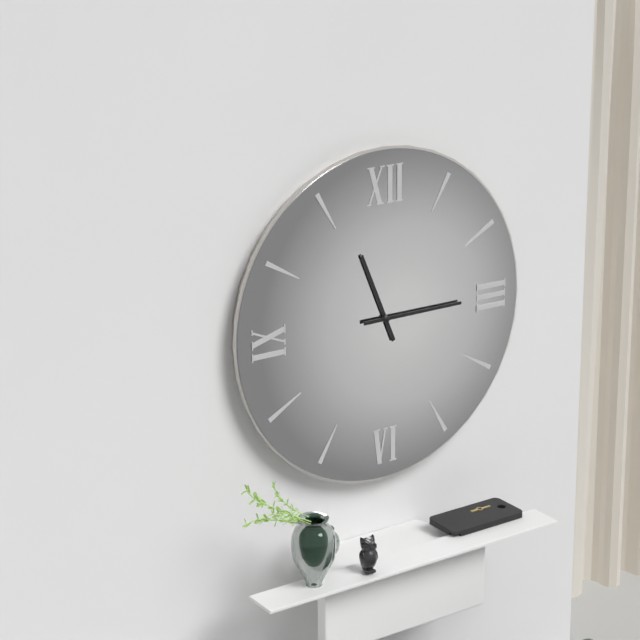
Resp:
**11:15**
